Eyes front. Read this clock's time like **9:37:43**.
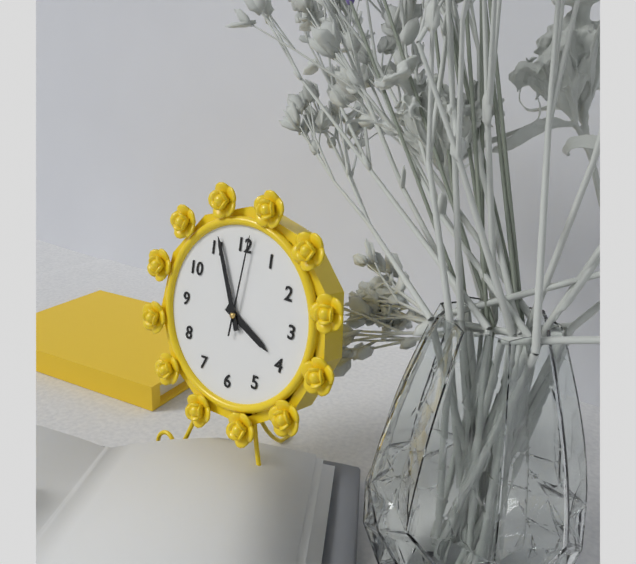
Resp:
**3:56:01**
